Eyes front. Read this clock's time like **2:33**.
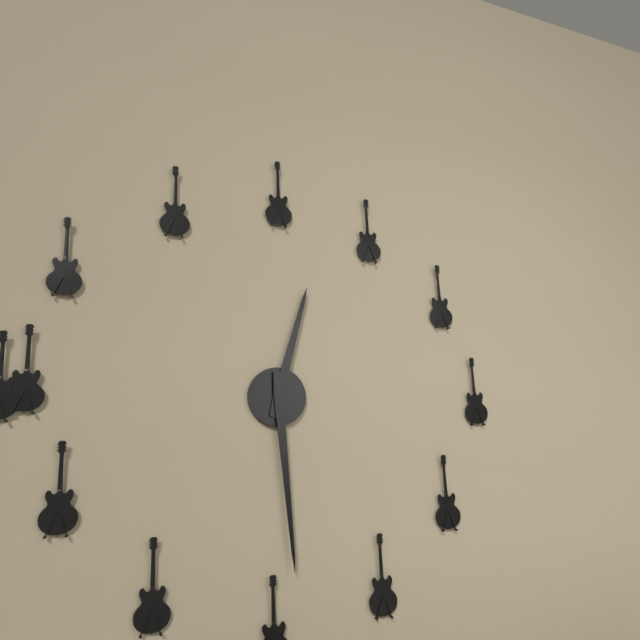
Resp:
**12:29**
